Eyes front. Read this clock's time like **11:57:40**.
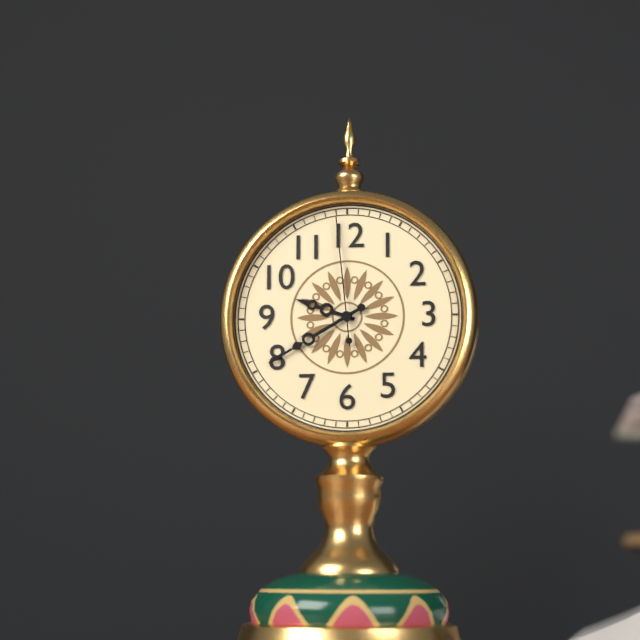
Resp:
**9:40:59**
